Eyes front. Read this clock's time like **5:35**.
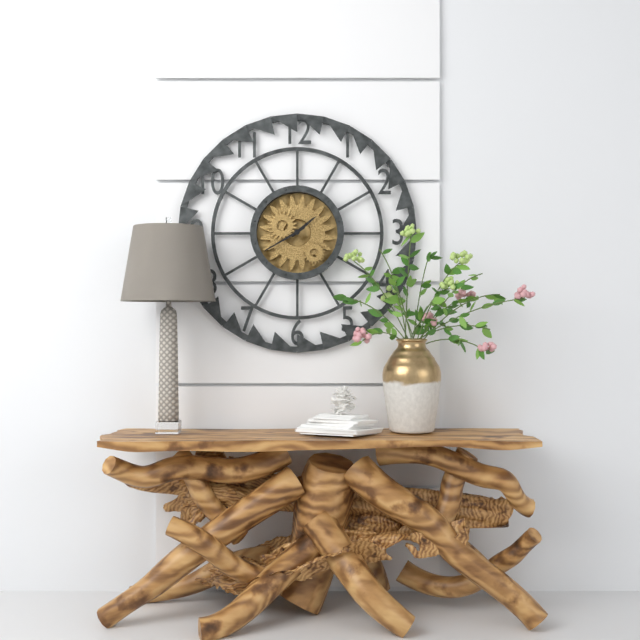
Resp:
**1:40**
